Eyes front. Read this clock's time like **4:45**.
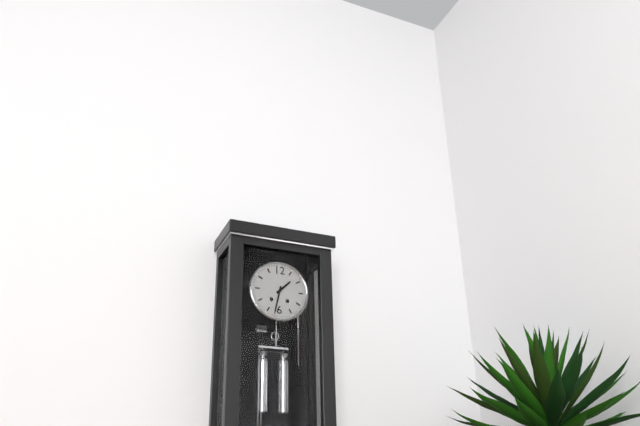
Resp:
**1:32**
